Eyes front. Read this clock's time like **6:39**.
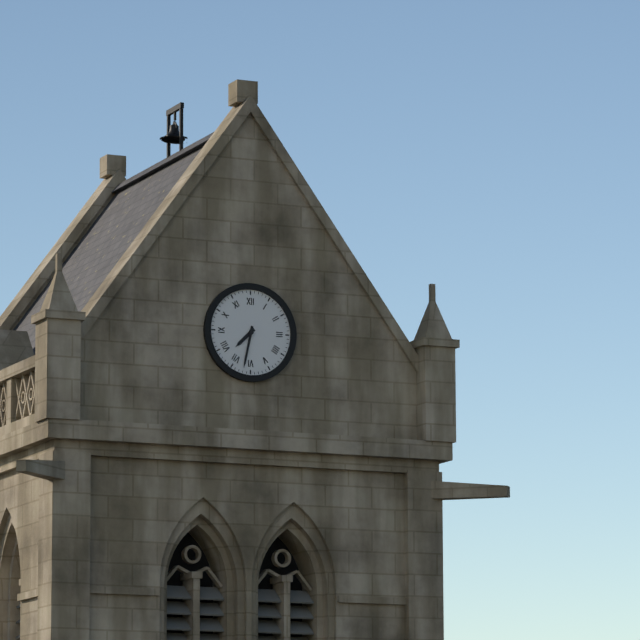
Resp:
**7:32**
